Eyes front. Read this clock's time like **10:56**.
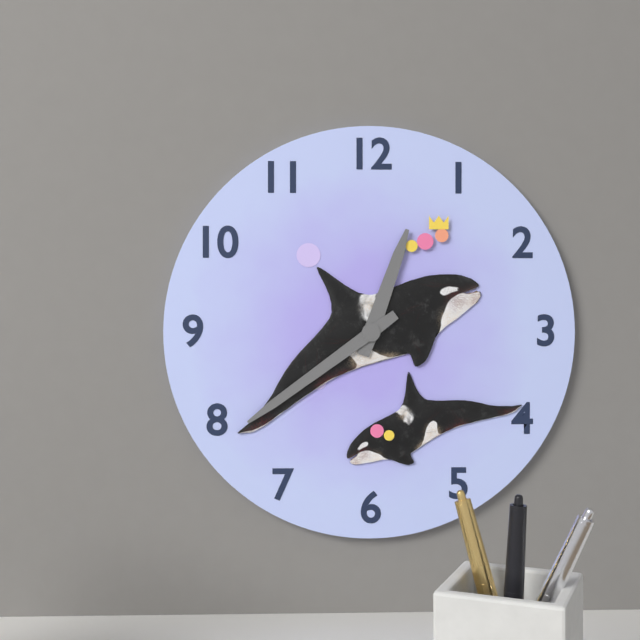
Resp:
**12:39**
